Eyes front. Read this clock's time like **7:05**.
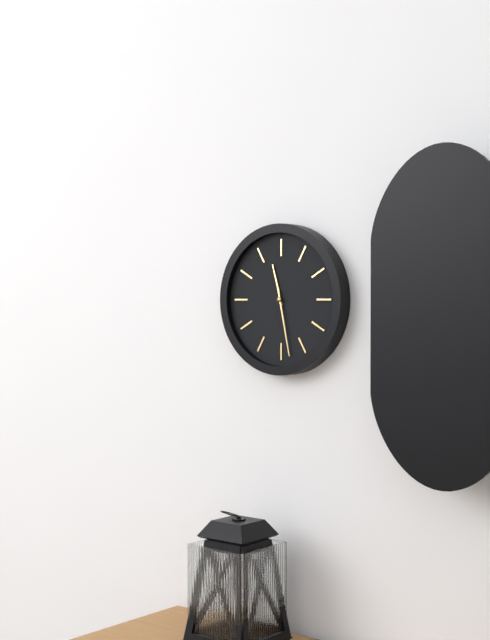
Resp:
**11:28**
